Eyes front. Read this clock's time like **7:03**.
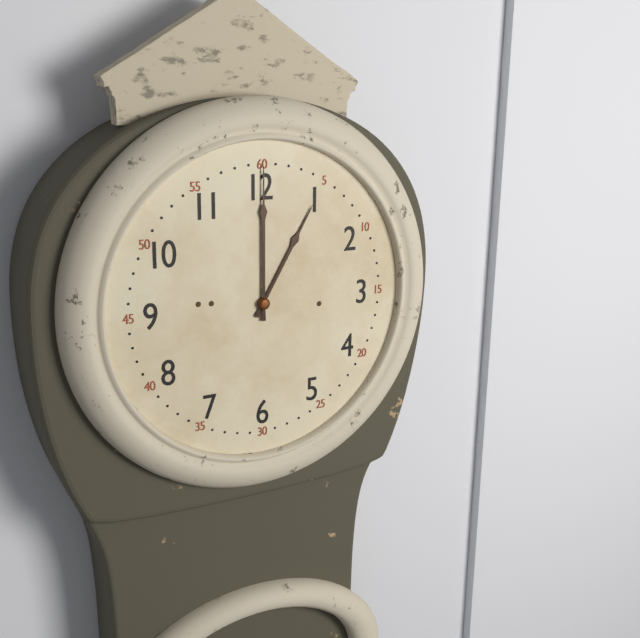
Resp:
**1:00**
